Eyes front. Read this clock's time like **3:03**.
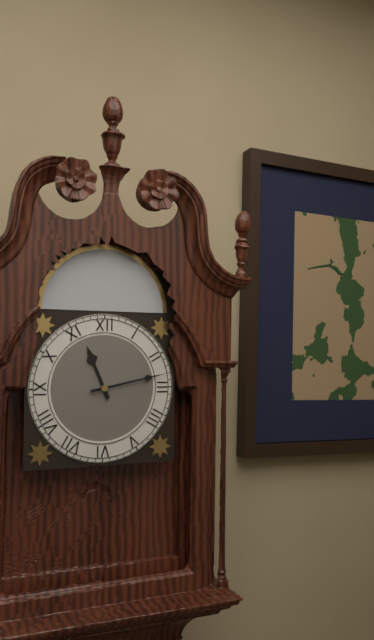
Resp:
**11:13**
